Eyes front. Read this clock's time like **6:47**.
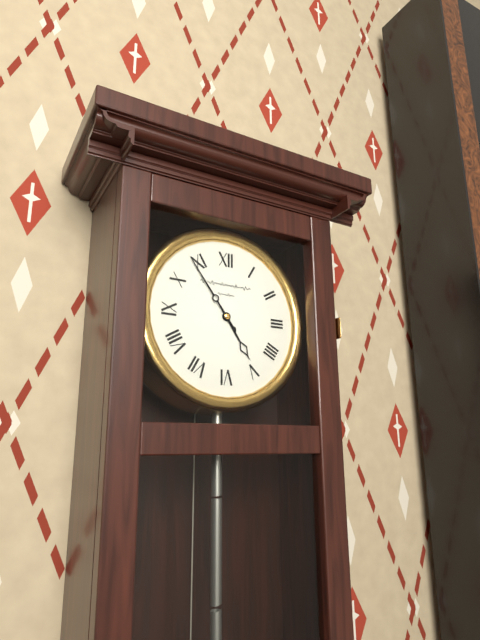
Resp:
**4:54**
